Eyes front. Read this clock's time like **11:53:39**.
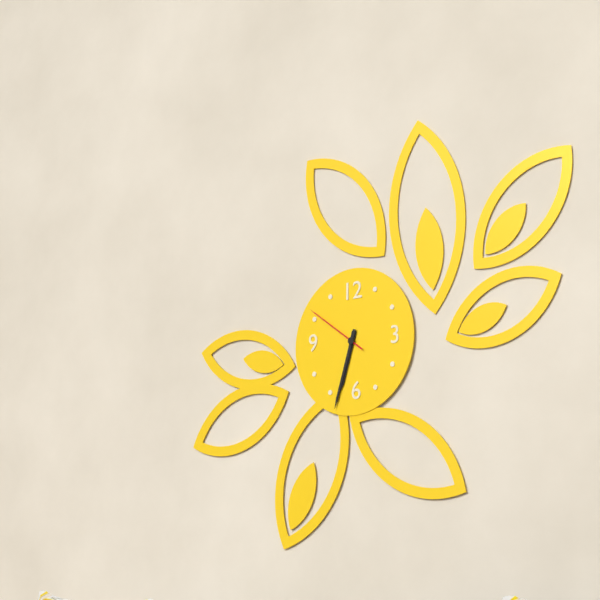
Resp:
**6:33:51**
